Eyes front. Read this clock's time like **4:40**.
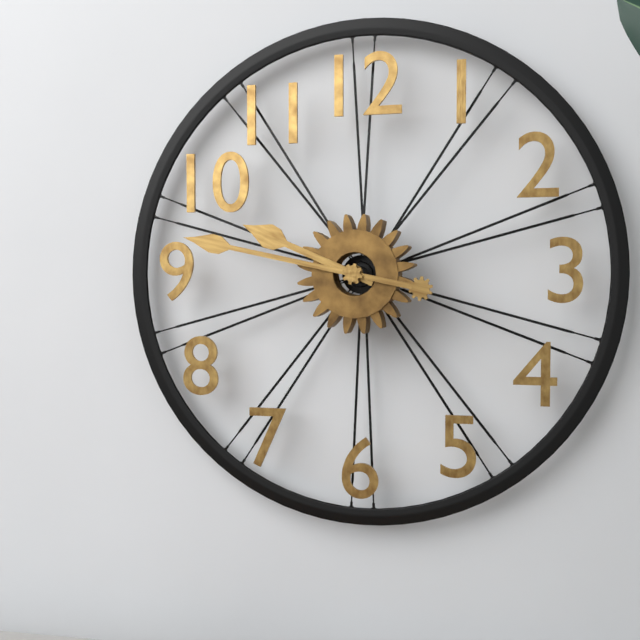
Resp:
**9:47**
